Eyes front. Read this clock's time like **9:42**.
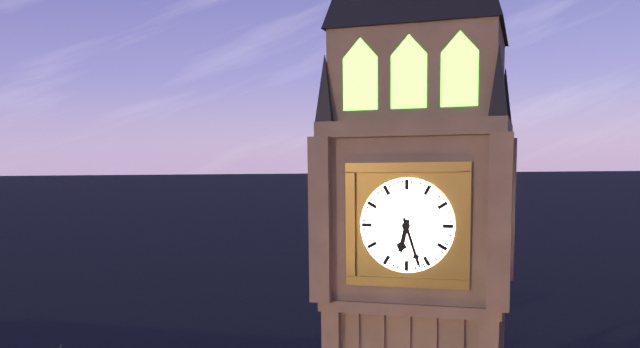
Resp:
**6:27**
